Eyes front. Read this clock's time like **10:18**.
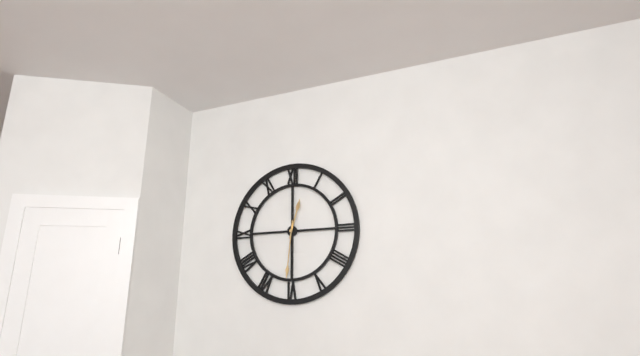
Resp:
**12:31**
